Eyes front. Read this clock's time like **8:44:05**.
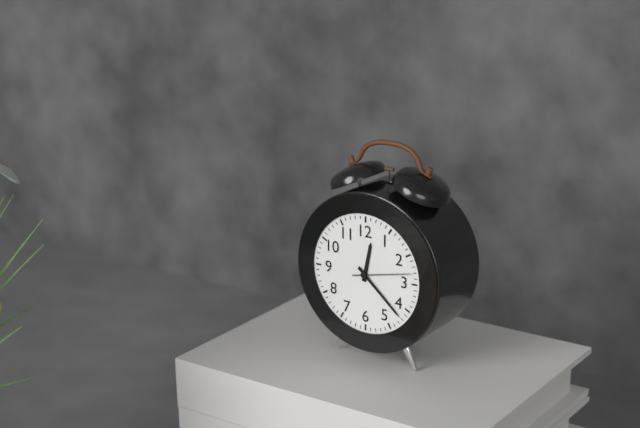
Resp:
**12:22:13**
